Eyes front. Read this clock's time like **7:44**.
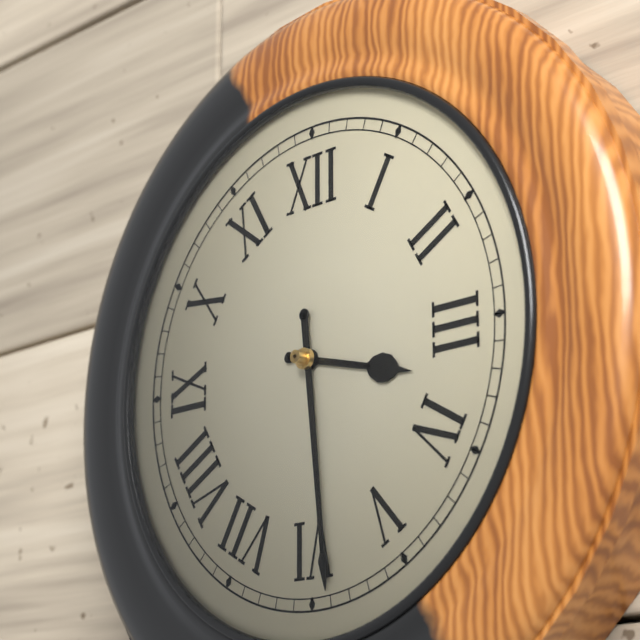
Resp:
**3:29**
